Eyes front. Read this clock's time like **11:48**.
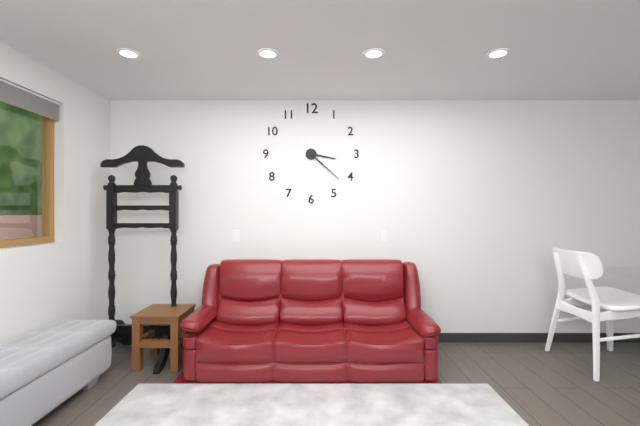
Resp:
**3:22**
